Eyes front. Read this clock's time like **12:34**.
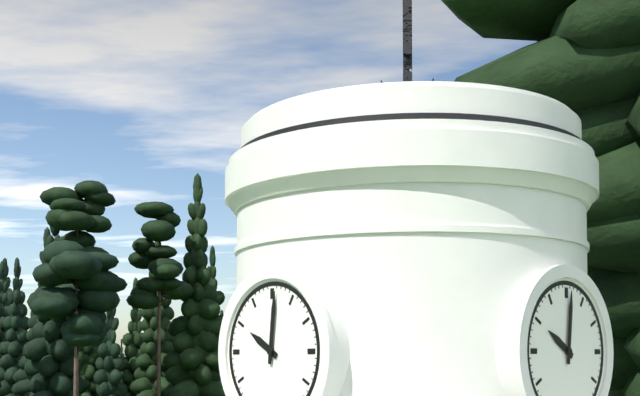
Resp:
**10:01**
